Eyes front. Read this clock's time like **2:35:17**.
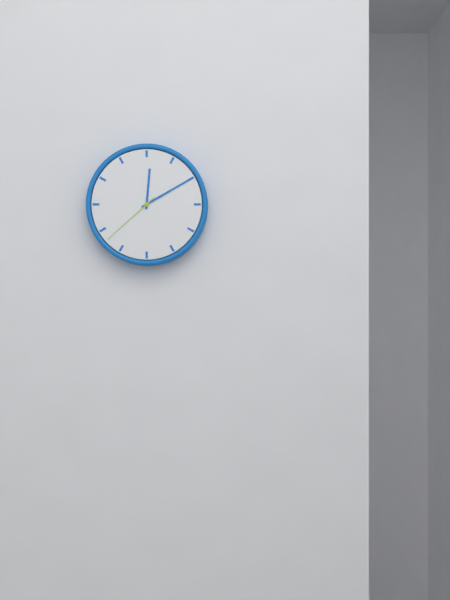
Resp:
**12:10:38**
